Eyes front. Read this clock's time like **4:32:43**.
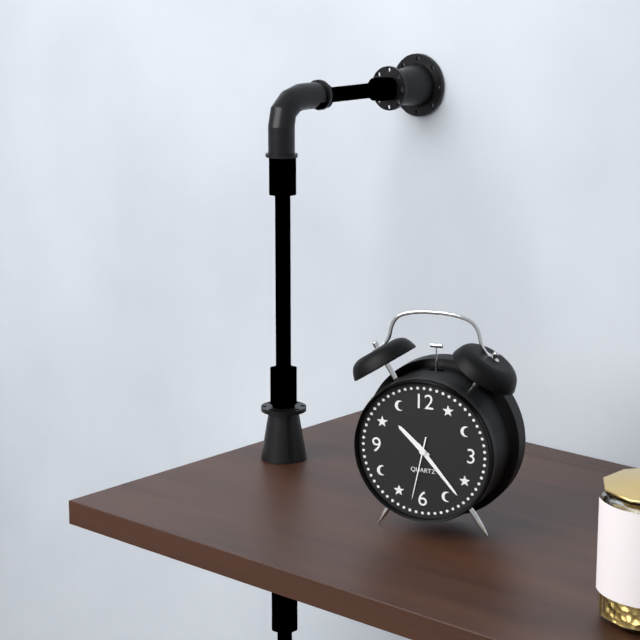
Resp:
**10:23:32**
